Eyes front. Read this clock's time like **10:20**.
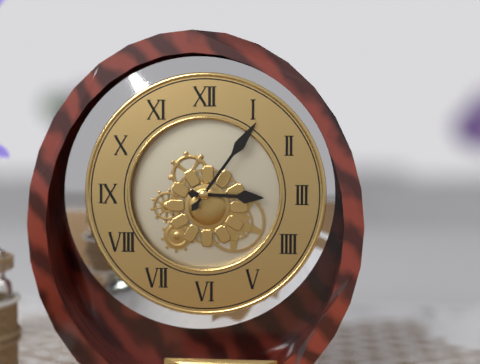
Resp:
**3:06**
